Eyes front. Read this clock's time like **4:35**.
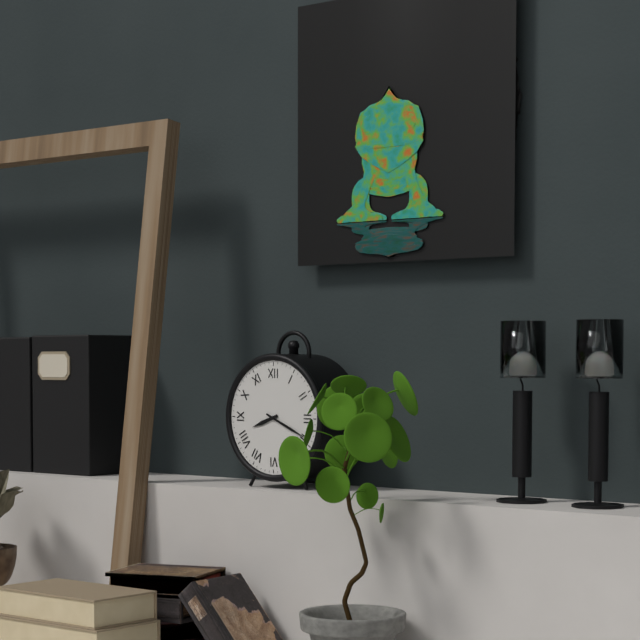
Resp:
**8:19**
